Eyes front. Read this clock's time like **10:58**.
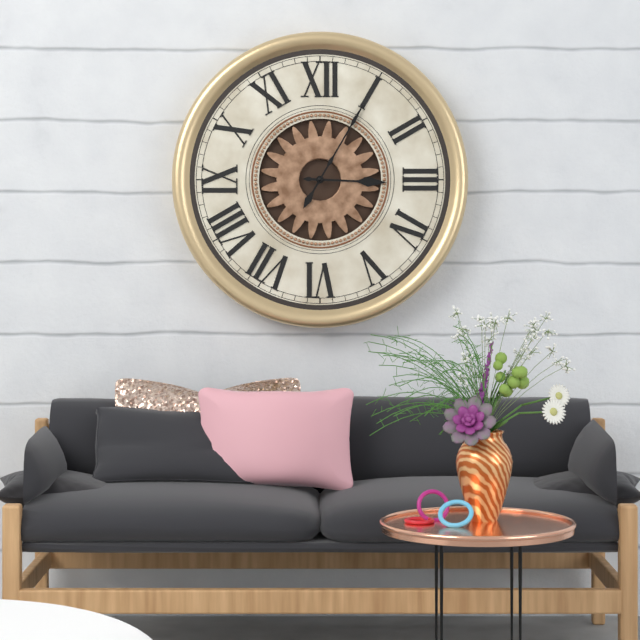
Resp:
**3:05**
